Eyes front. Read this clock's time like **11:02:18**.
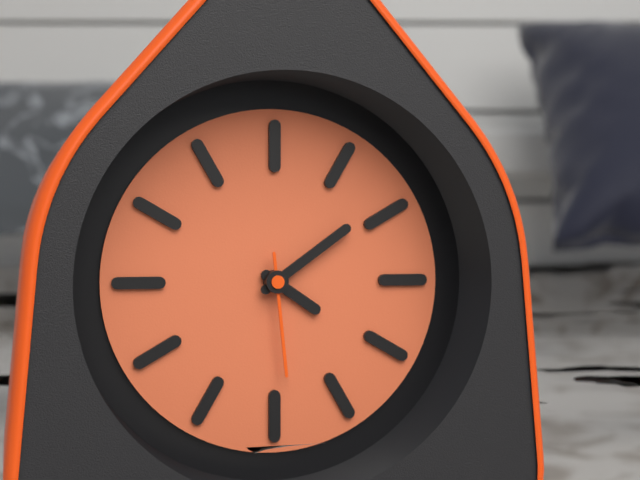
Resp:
**4:09:29**
